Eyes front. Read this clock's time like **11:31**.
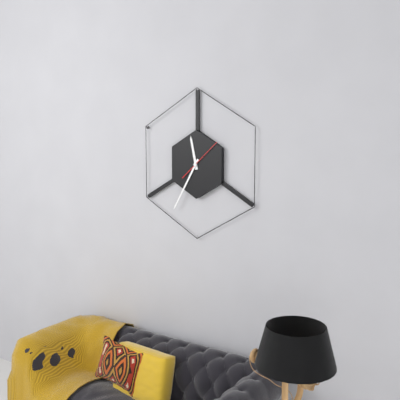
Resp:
**11:35**
